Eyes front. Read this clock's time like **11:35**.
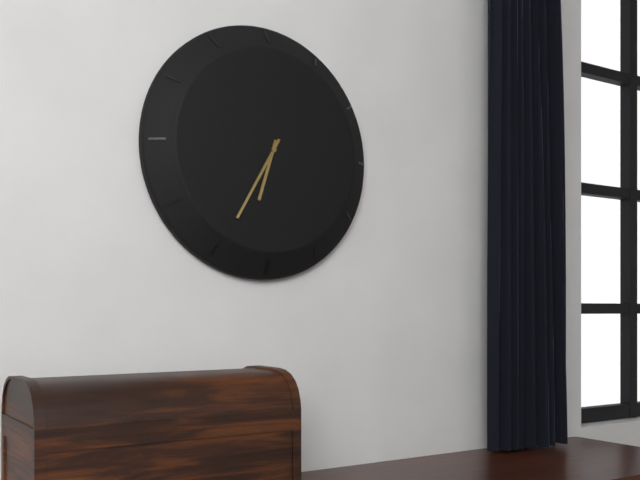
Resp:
**6:35**
